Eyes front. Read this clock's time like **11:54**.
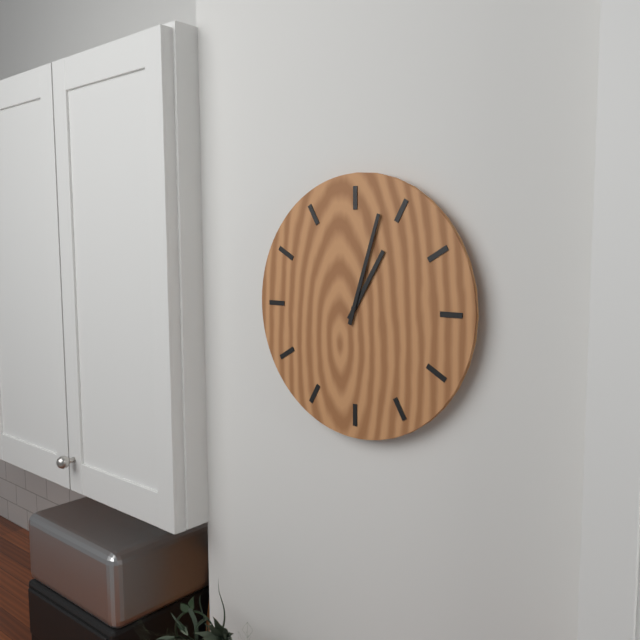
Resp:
**1:03**
